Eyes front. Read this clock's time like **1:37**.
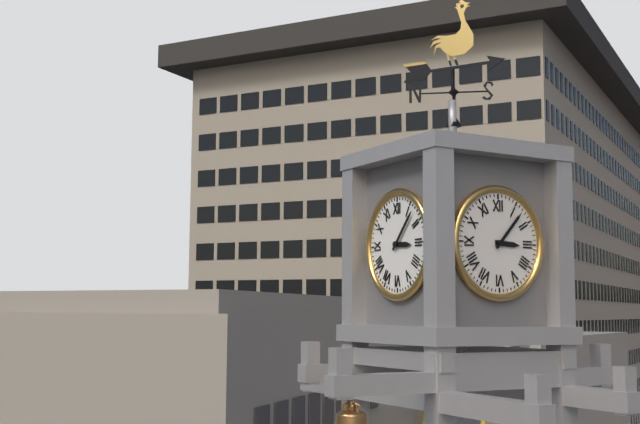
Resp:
**3:07**
